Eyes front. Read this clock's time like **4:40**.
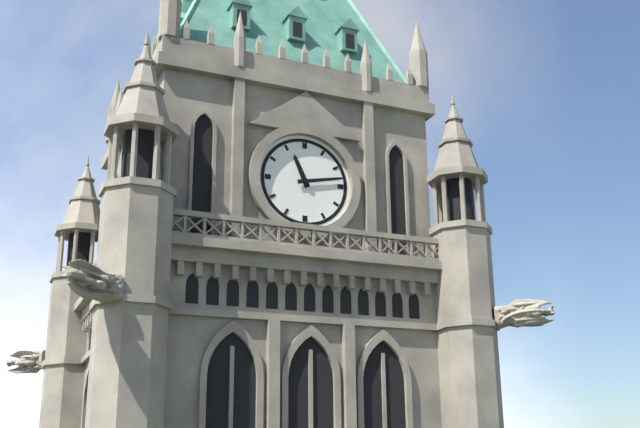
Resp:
**11:13**
